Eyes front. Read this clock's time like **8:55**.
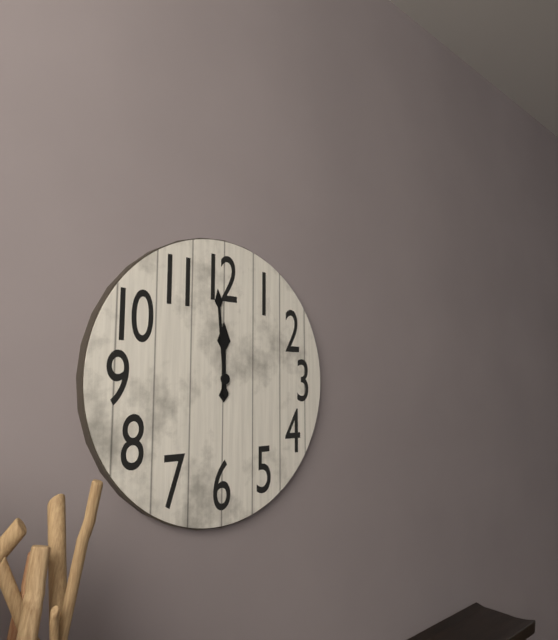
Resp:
**11:59**
